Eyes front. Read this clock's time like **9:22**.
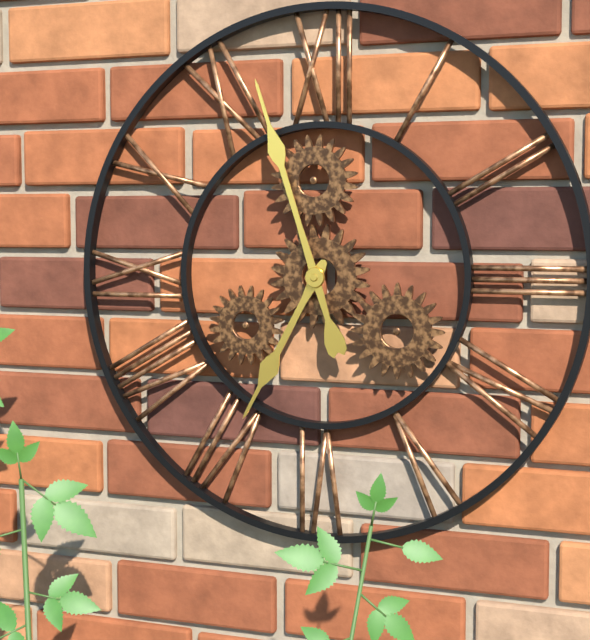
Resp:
**6:57**
